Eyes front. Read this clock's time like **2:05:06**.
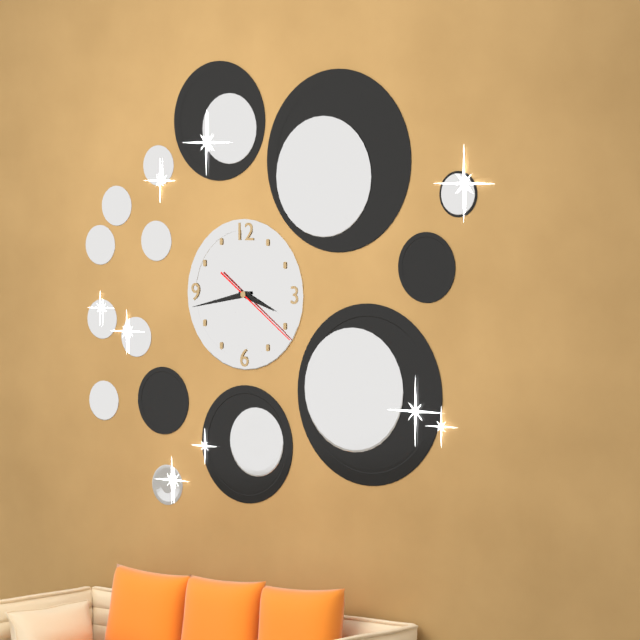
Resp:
**3:43:21**
